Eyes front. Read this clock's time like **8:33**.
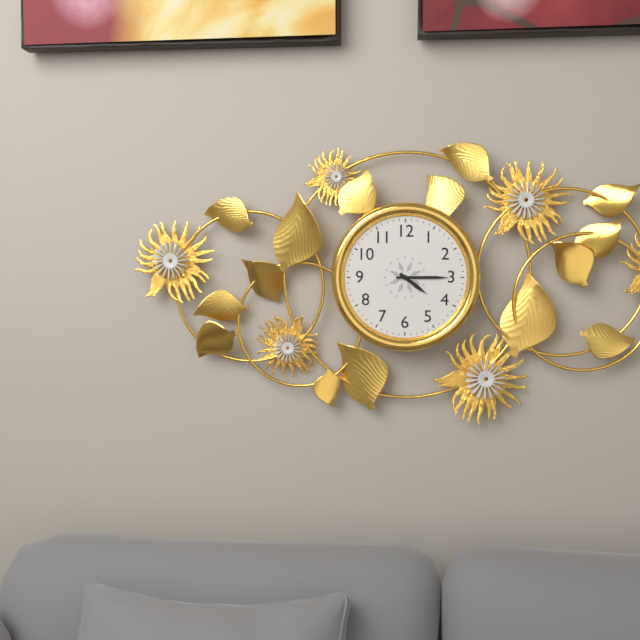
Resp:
**4:15**
